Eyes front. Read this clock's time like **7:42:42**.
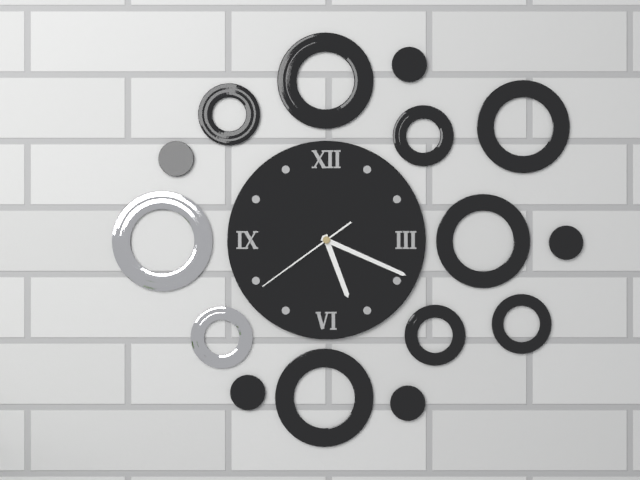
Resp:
**5:19:39**
